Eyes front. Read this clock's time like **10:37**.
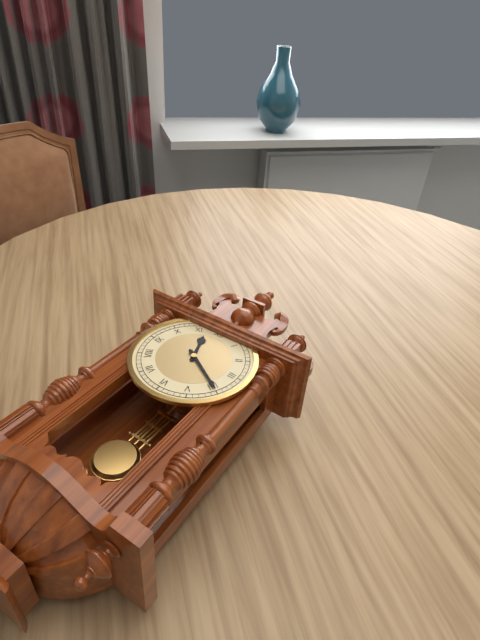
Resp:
**11:20**
